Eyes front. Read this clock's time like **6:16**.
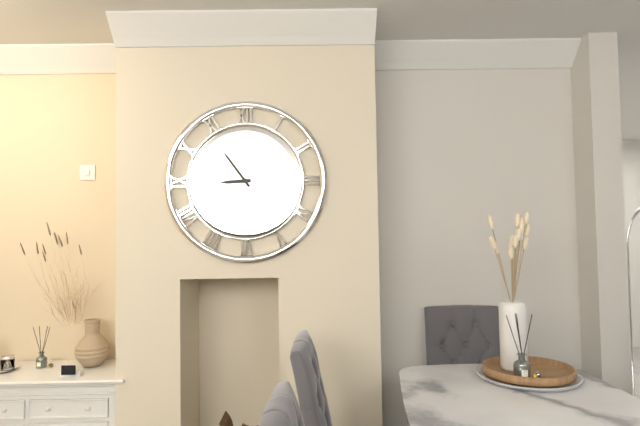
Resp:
**8:54**
